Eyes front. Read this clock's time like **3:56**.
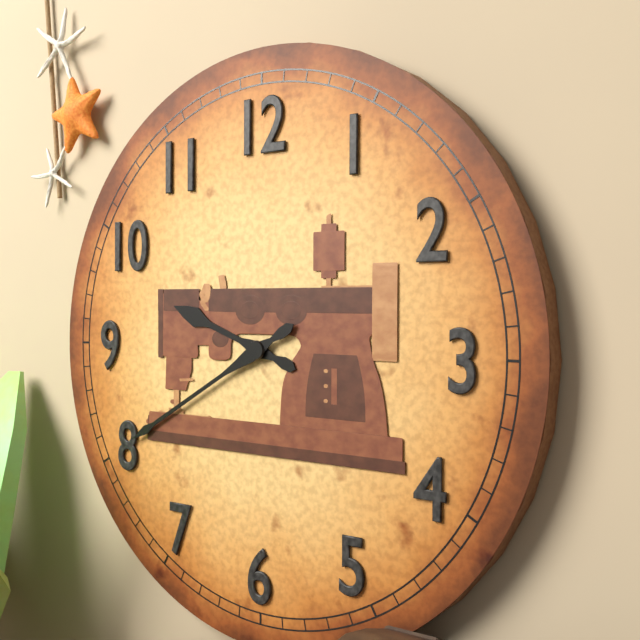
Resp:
**9:40**
